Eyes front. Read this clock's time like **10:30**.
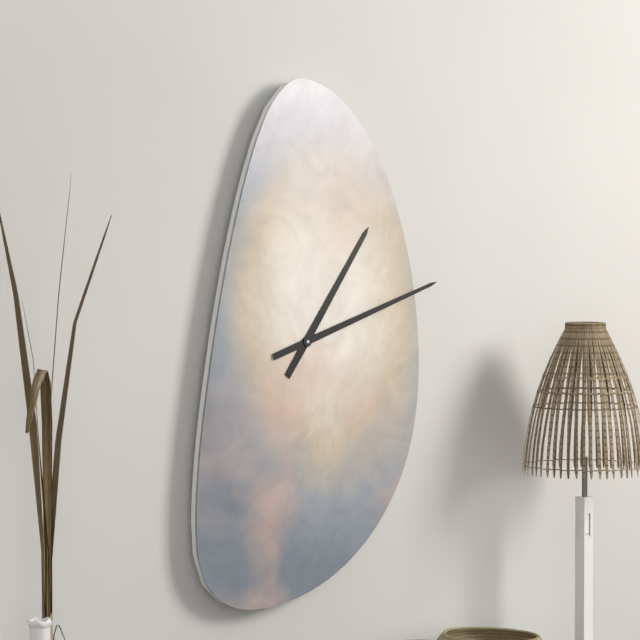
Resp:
**1:12**
